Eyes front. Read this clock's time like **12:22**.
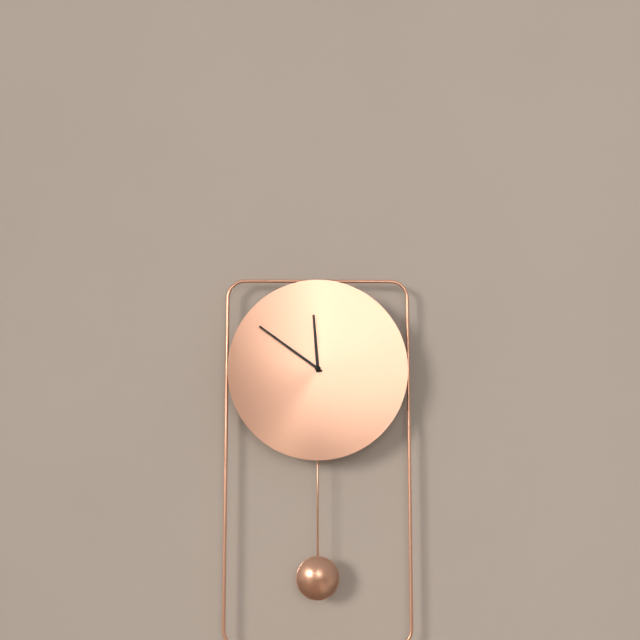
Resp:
**11:51**
